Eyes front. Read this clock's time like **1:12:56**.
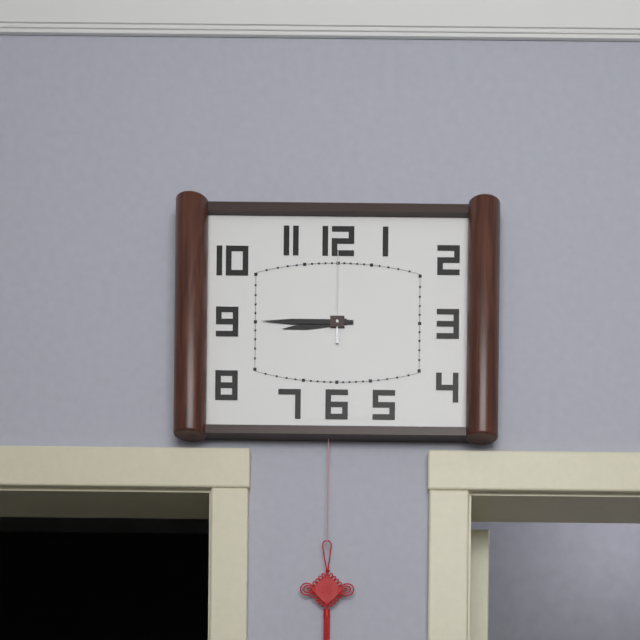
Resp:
**8:45:00**
